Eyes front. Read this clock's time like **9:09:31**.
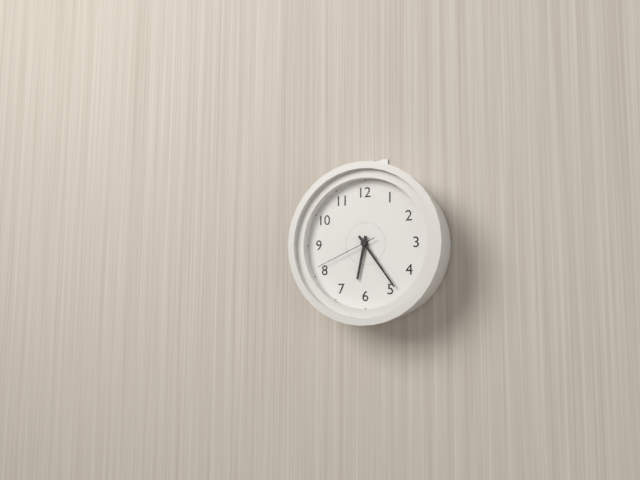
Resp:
**6:24:41**
